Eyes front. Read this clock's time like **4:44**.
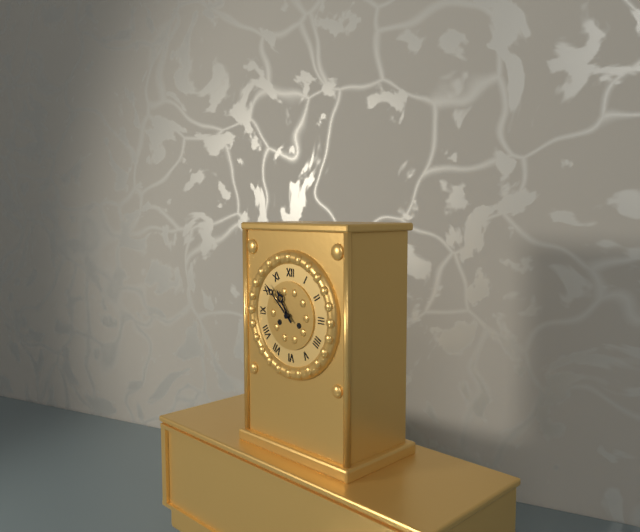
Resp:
**10:52**
